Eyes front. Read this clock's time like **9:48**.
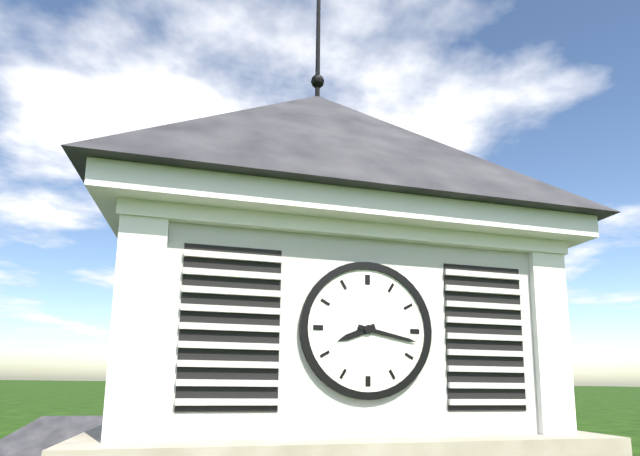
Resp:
**8:17**
